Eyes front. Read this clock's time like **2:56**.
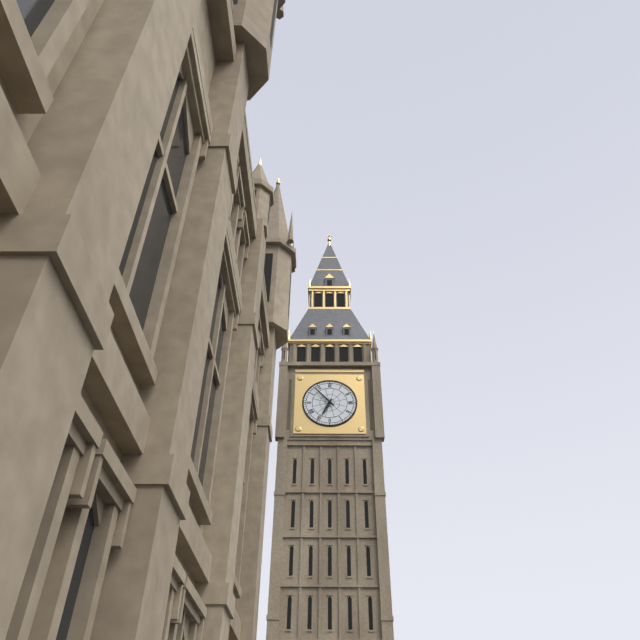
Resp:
**6:53**
